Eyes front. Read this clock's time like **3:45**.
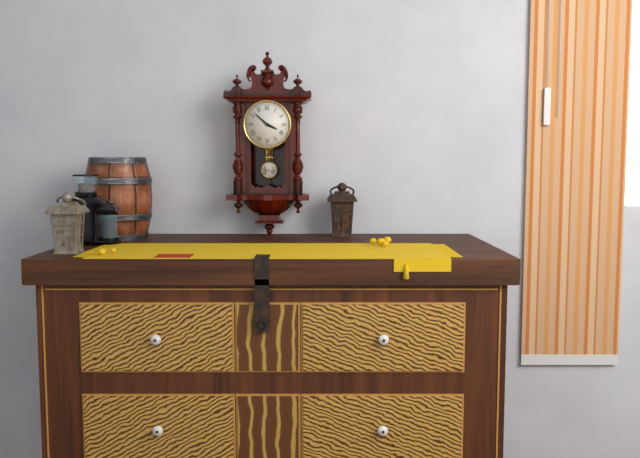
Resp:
**3:52**
